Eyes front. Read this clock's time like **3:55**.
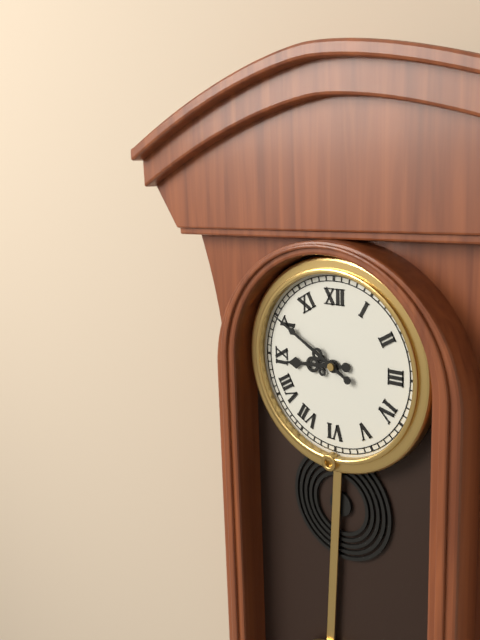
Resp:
**8:50**
